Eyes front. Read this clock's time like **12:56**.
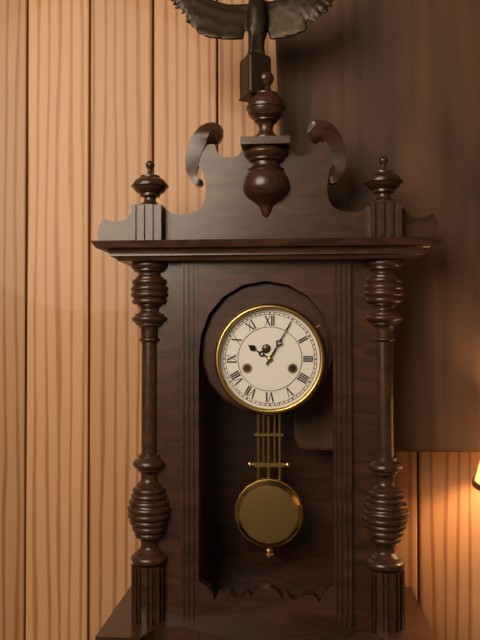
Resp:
**10:05**
